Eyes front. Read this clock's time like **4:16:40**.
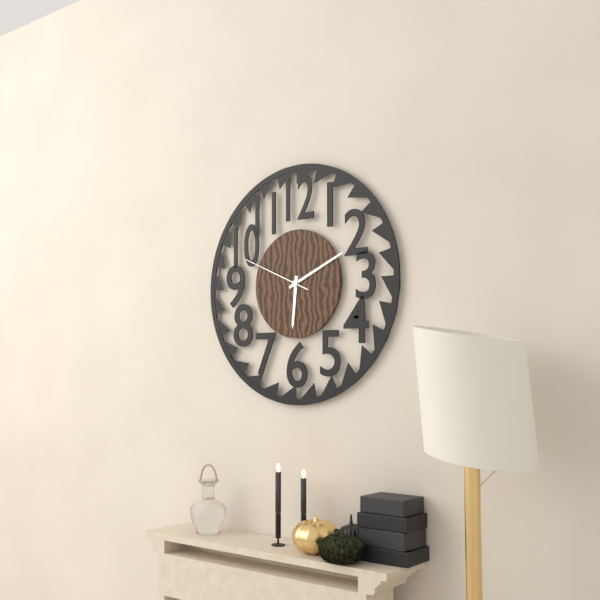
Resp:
**6:11:49**
